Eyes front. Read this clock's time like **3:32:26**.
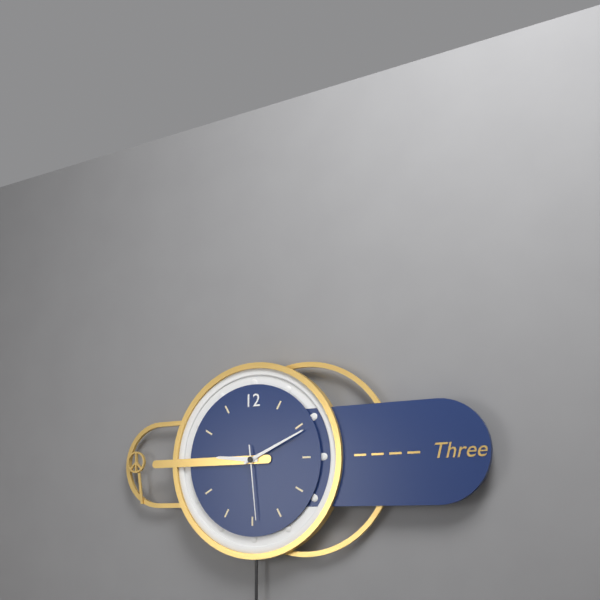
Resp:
**9:11:29**
